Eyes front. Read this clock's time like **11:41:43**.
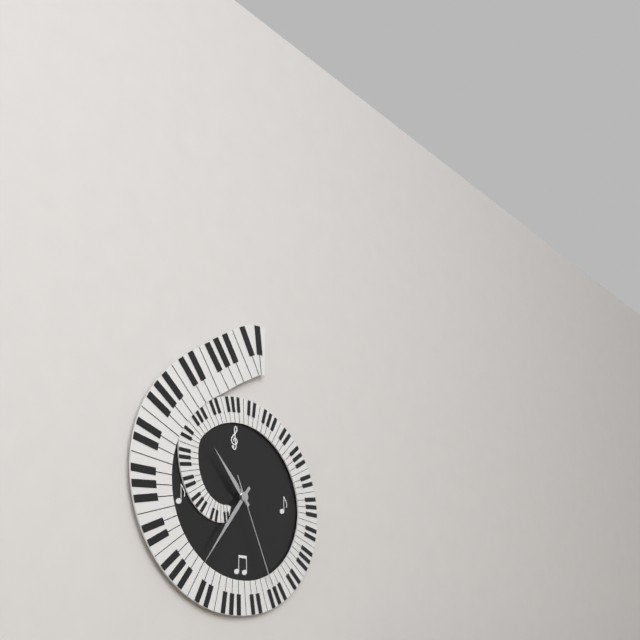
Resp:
**10:36:26**
